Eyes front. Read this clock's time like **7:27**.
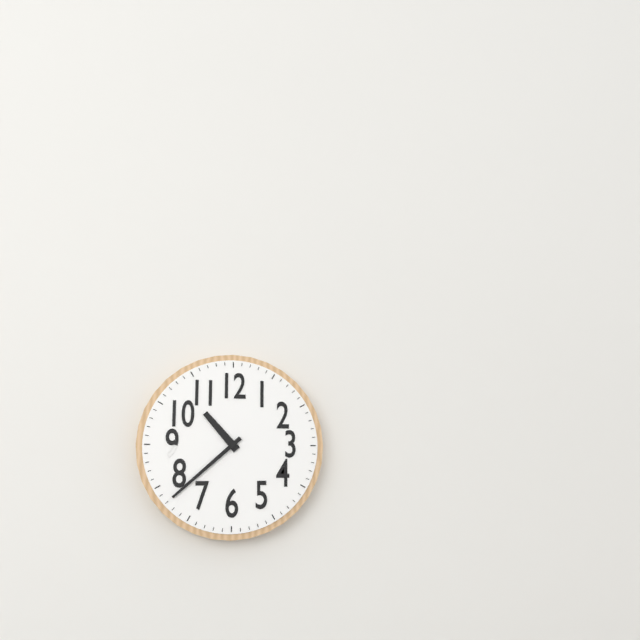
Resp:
**10:38**
